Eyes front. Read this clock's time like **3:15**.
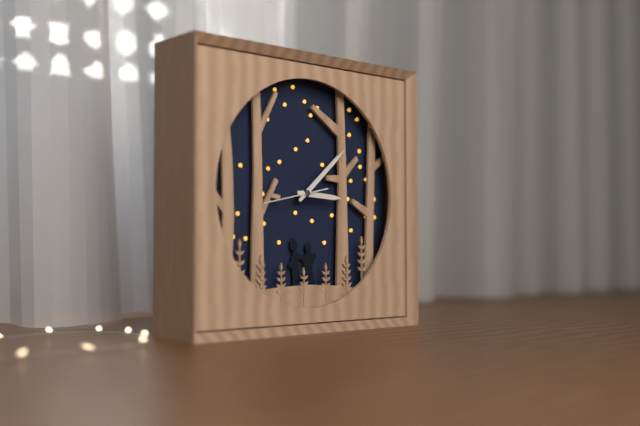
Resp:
**3:08**
